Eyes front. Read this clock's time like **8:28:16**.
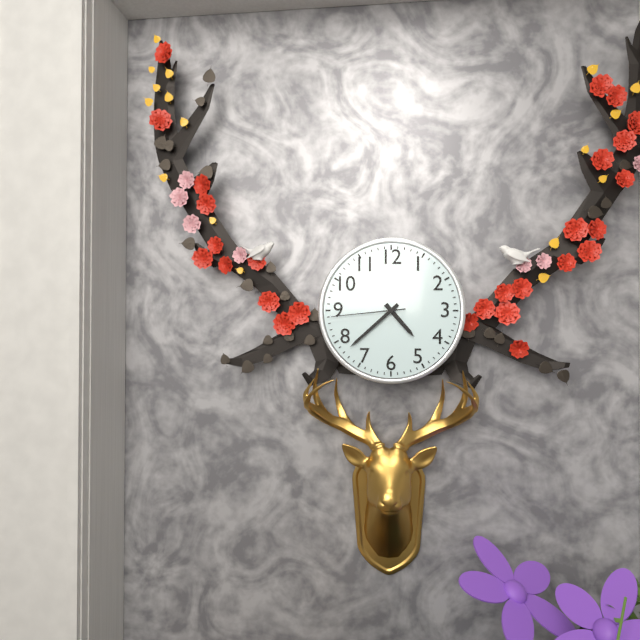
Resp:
**4:38:44**
